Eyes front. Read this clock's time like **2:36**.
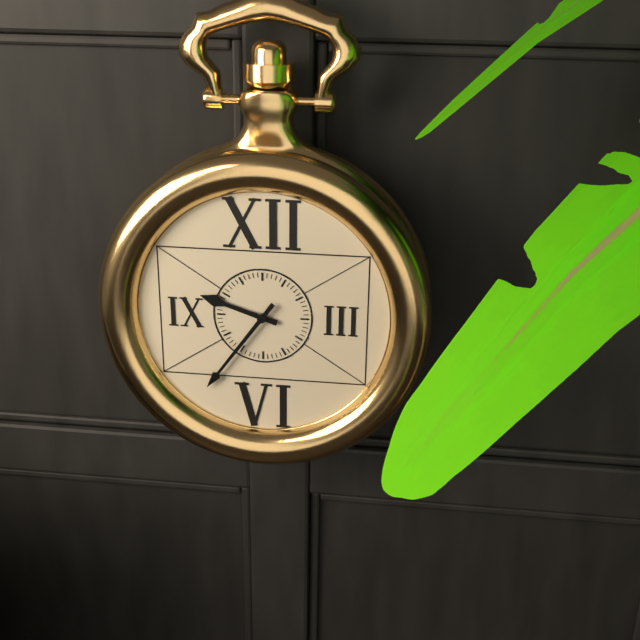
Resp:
**9:36**
